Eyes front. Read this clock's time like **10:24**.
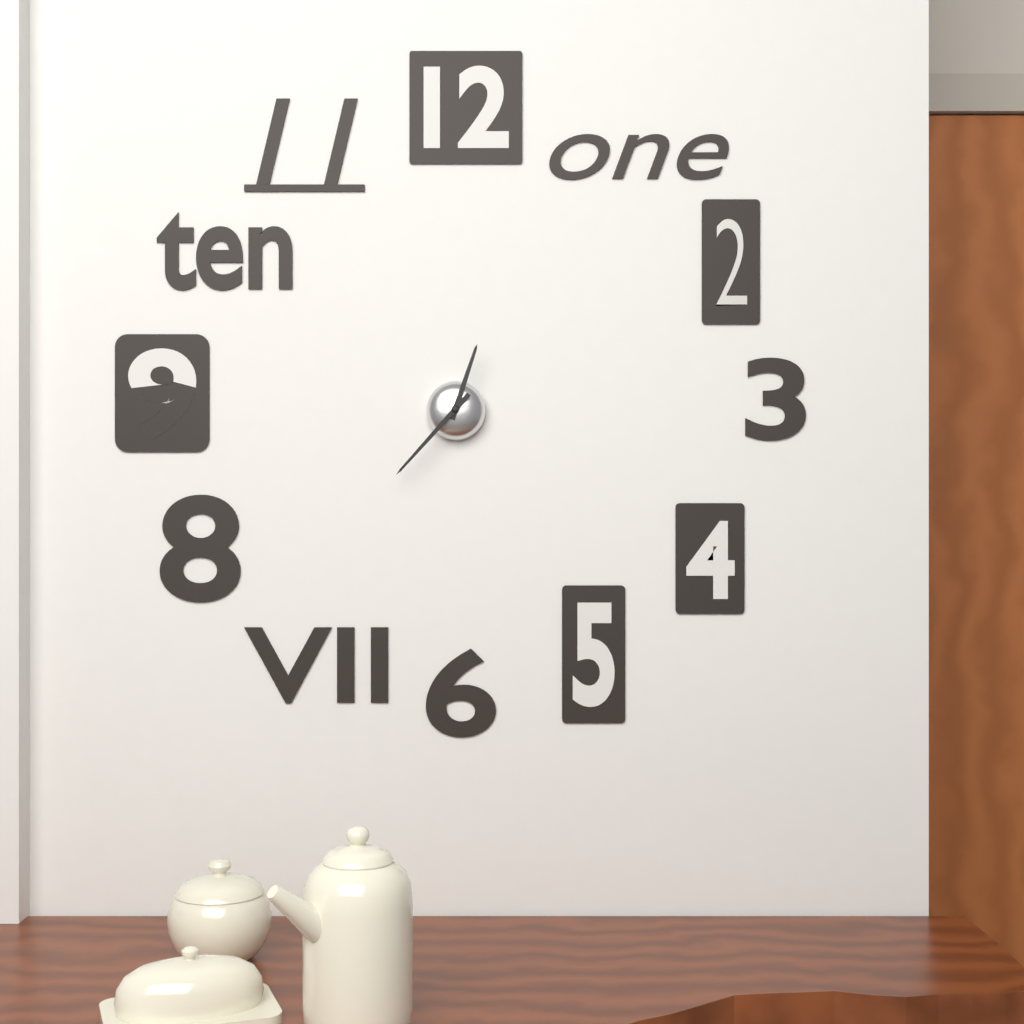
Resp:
**12:37**
